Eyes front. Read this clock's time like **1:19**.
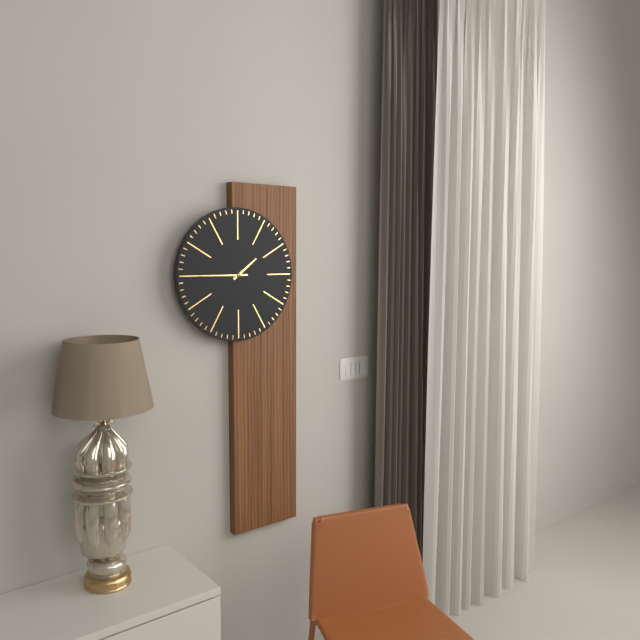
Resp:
**1:45**
